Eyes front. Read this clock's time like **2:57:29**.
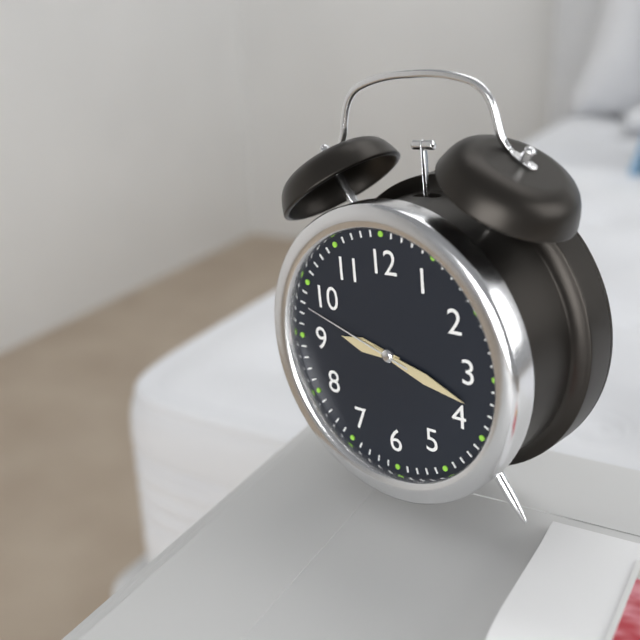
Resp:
**9:18:48**
